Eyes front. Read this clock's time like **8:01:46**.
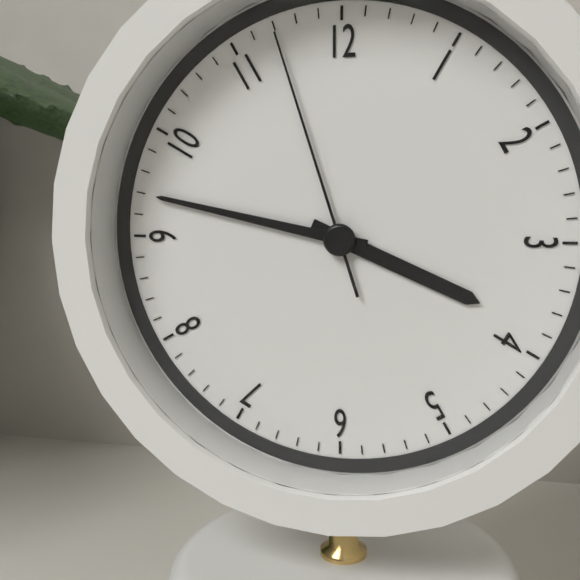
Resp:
**3:47:57**
